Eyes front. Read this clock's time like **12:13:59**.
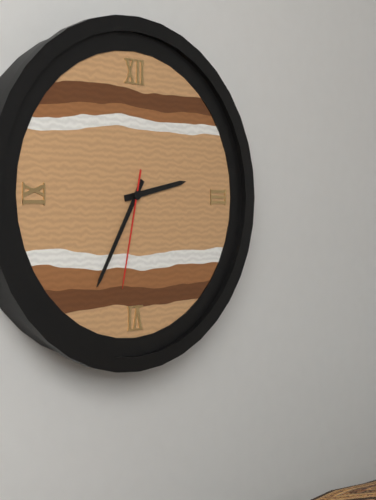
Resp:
**2:35:32**
